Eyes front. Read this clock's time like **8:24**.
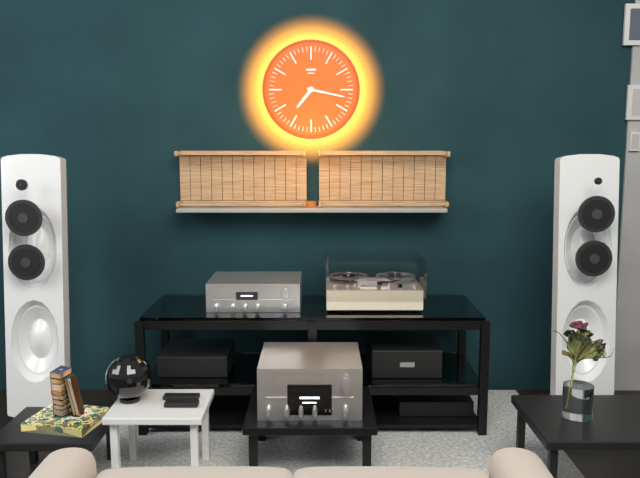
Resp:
**7:17**
